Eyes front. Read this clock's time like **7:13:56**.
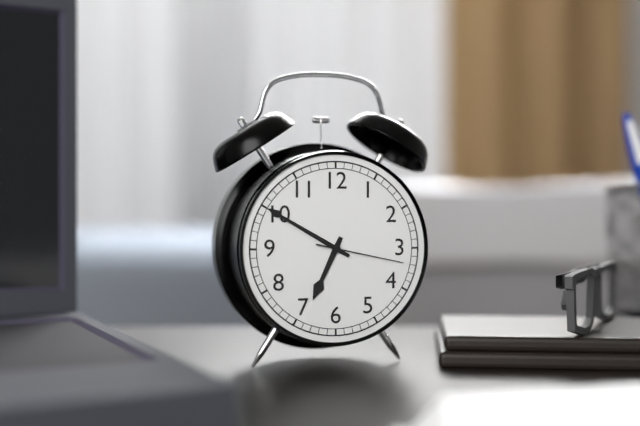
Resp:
**6:50:17**
